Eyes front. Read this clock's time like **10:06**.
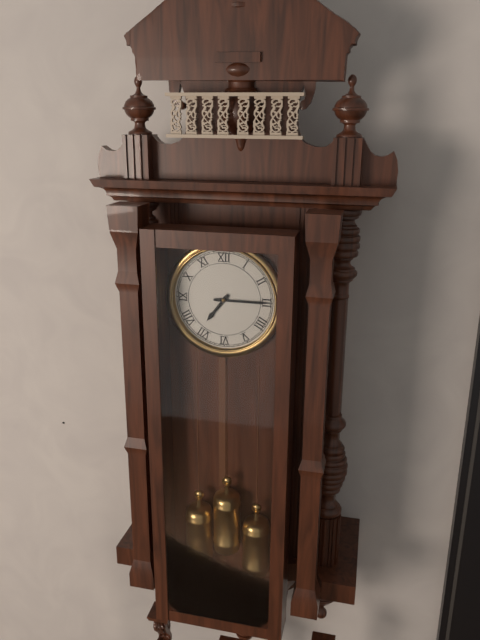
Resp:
**7:15**
